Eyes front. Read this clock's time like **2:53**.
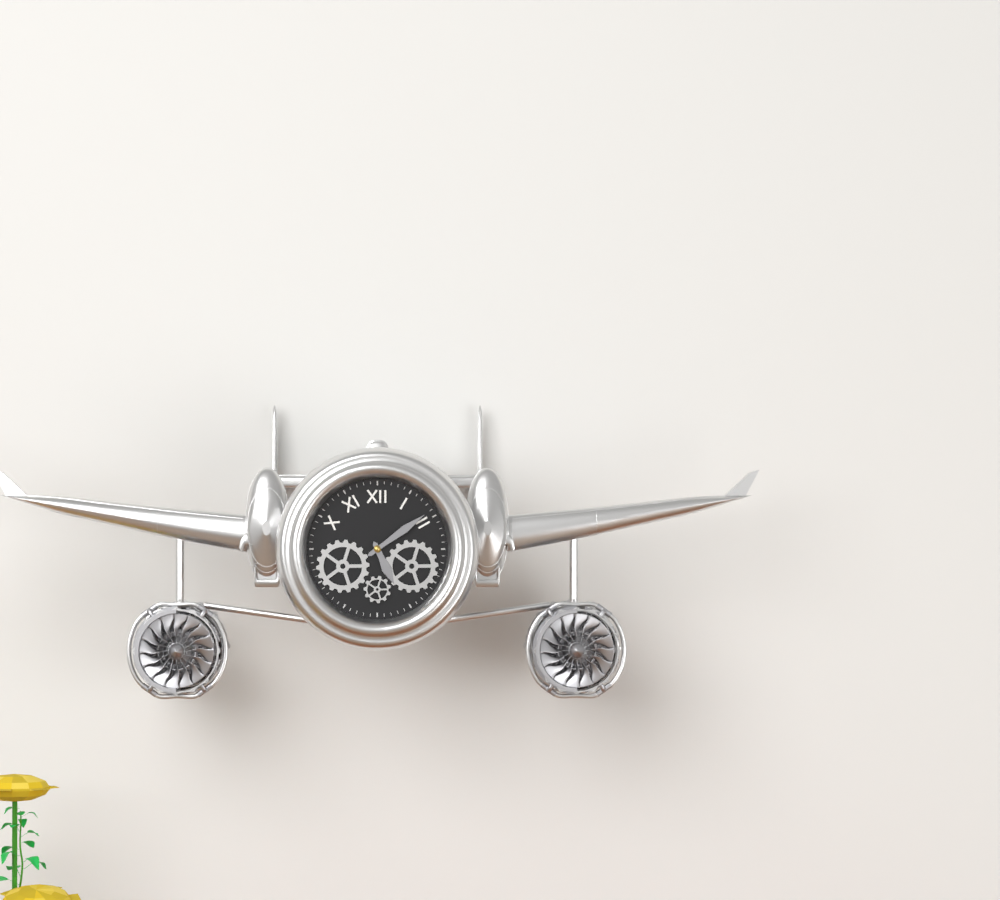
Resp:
**5:09**
